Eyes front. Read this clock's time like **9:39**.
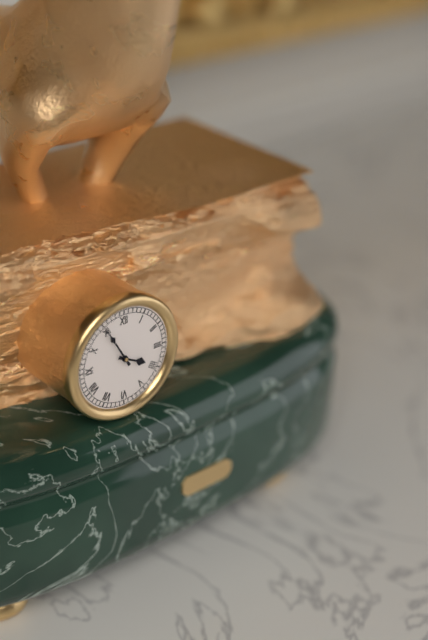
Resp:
**3:55**
